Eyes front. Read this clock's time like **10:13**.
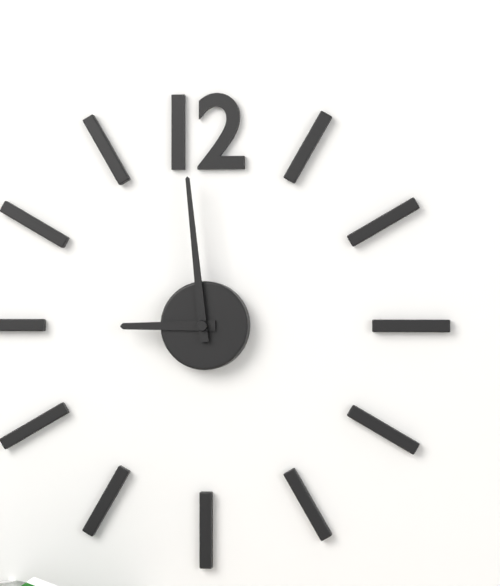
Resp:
**8:59**
